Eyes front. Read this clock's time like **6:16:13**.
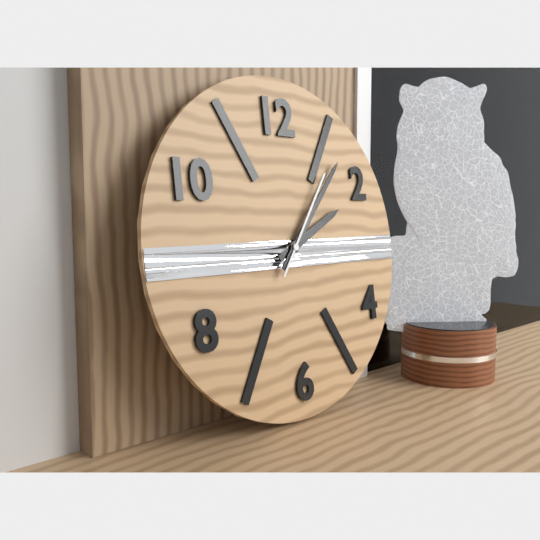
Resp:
**2:07:06**
